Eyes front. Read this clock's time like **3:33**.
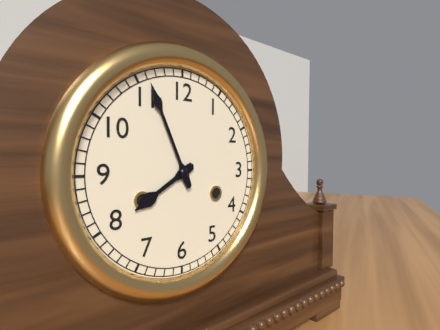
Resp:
**7:56**
